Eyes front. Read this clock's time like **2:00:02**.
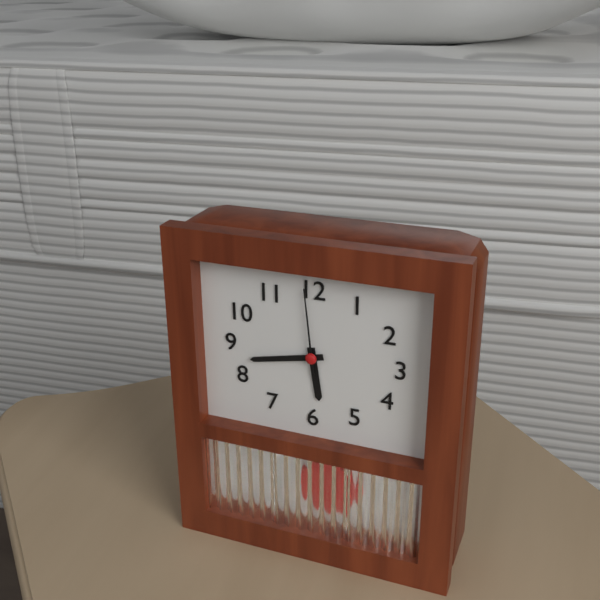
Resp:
**5:43:59**
